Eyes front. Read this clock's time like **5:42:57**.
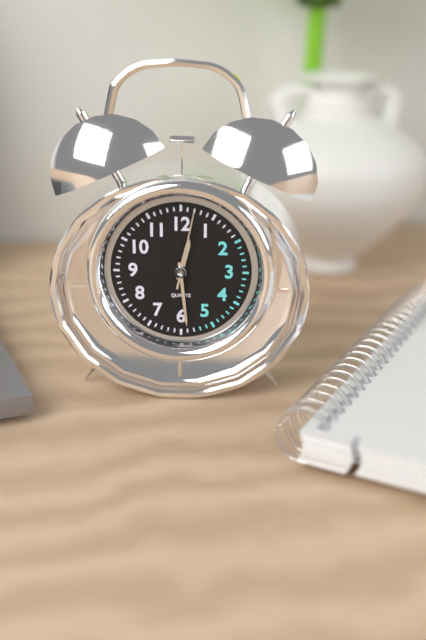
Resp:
**12:29:02**
